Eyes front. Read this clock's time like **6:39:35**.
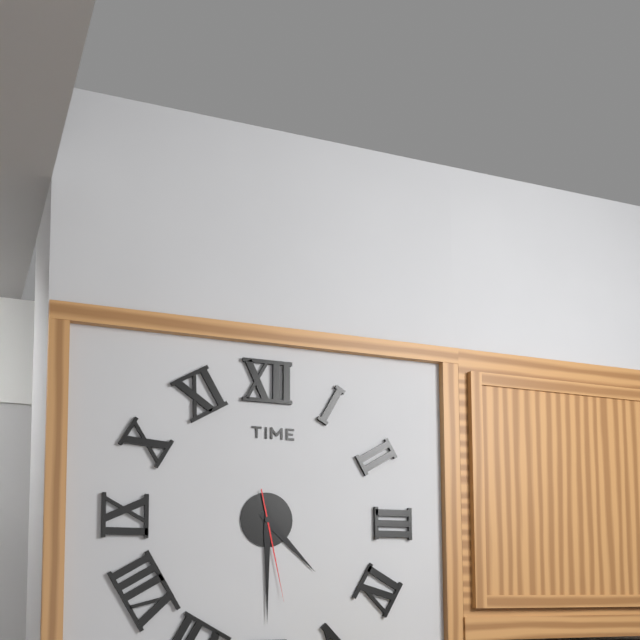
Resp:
**4:30:28**
